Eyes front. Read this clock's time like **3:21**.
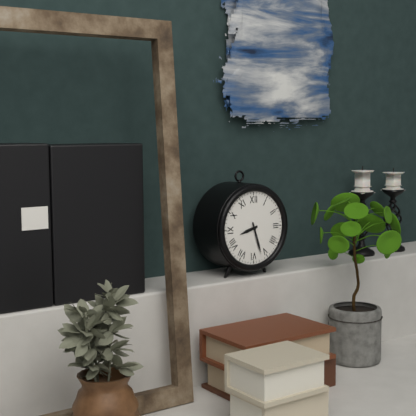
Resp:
**8:27**
